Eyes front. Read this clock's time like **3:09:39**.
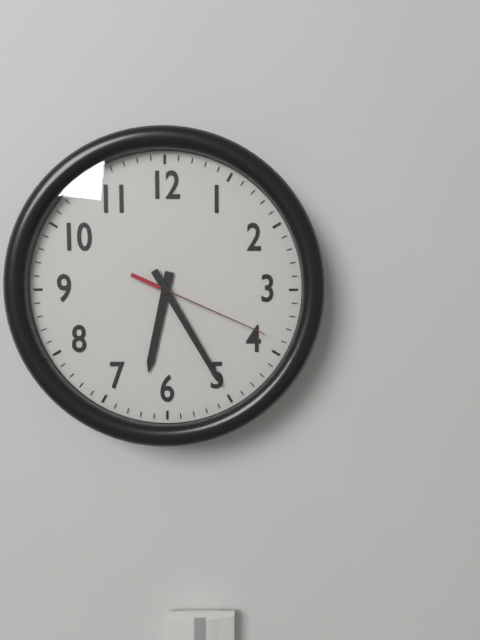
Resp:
**6:25:19**
